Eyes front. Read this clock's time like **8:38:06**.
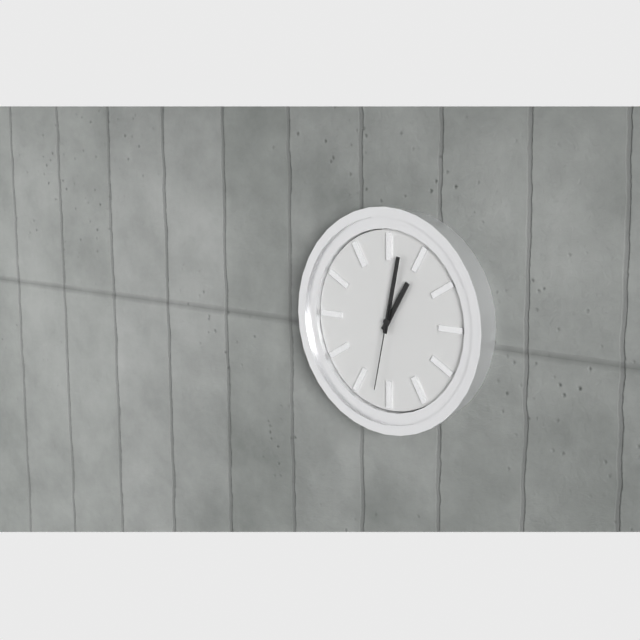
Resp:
**1:02:32**
